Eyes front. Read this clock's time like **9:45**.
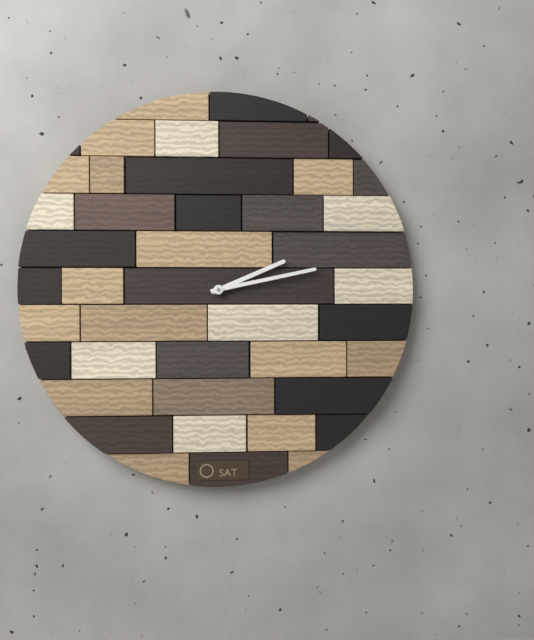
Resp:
**2:13**
